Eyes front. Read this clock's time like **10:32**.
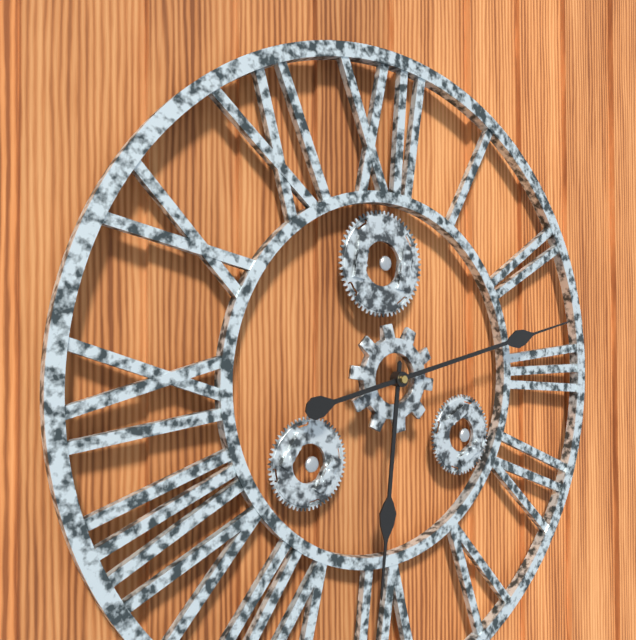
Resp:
**6:13**
